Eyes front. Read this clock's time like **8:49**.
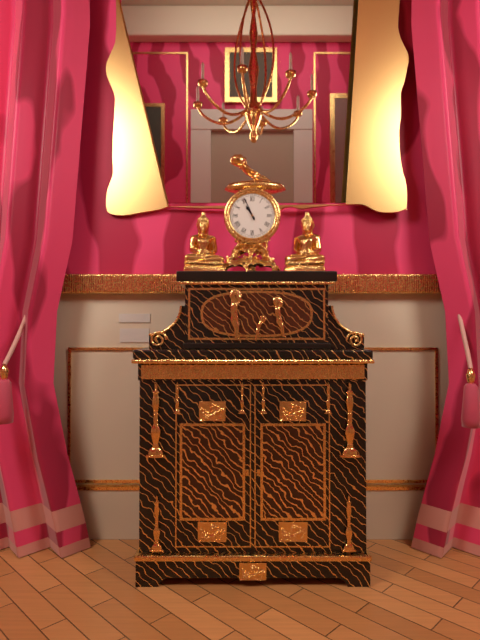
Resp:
**10:56**
